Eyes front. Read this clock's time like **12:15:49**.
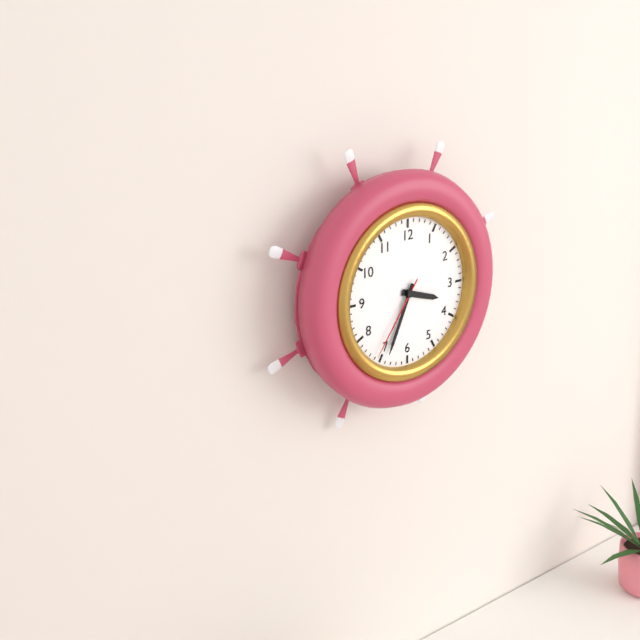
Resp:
**3:34:36**
